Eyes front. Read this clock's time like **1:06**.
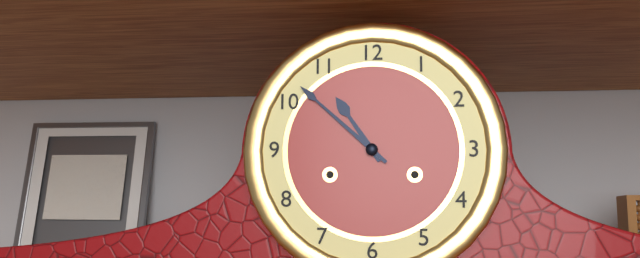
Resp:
**10:52**
